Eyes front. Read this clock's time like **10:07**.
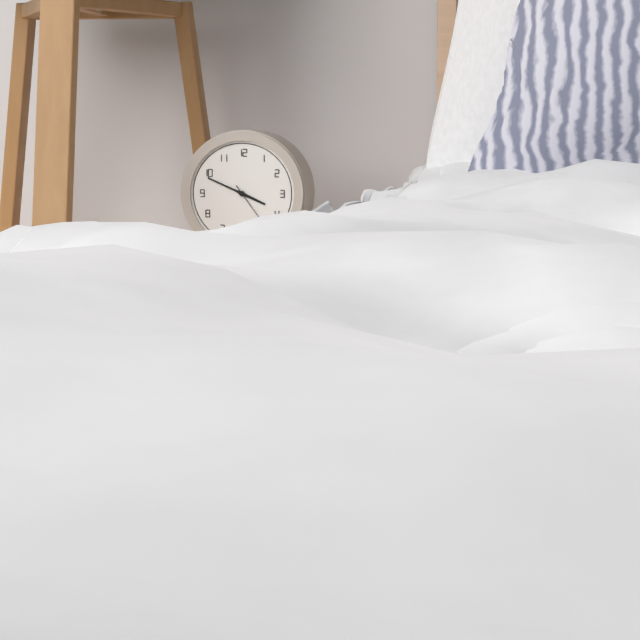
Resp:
**3:49**
